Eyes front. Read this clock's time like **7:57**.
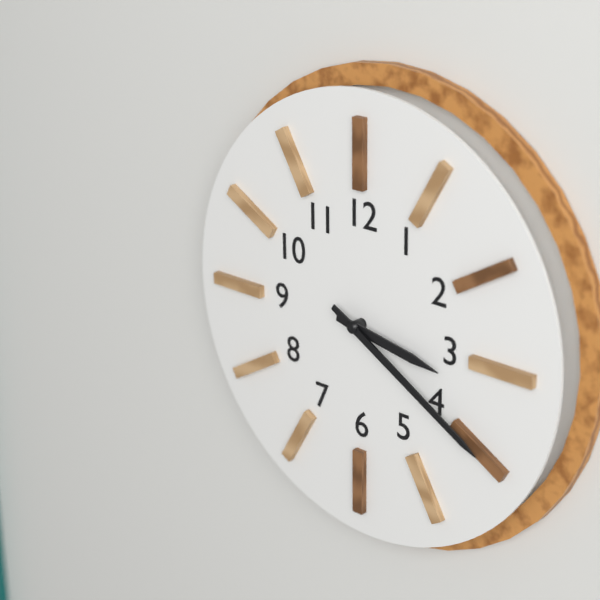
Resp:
**3:20**
